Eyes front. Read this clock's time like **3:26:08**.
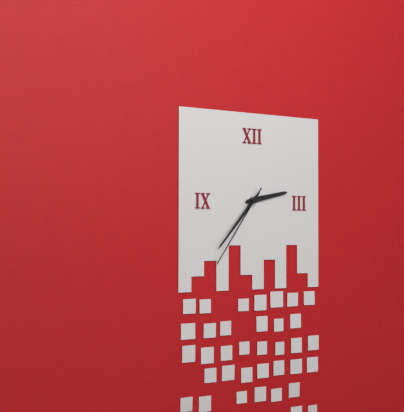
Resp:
**2:37:36**
